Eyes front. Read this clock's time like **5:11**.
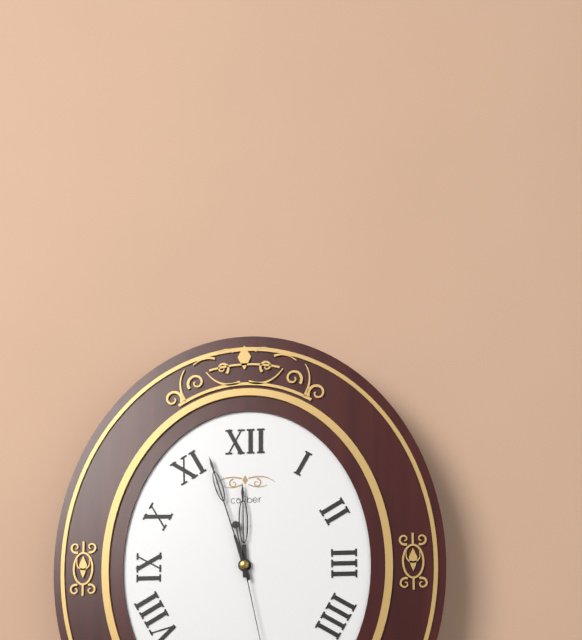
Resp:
**11:57**
